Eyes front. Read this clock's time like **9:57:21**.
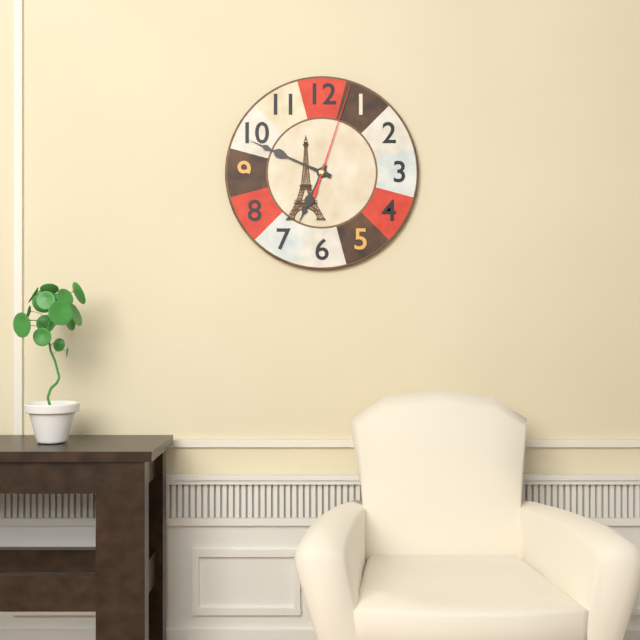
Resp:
**6:49:03**
